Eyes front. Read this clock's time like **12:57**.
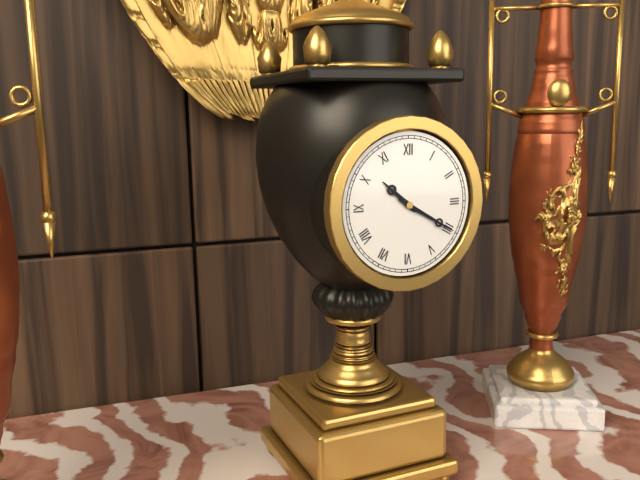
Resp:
**10:20**
